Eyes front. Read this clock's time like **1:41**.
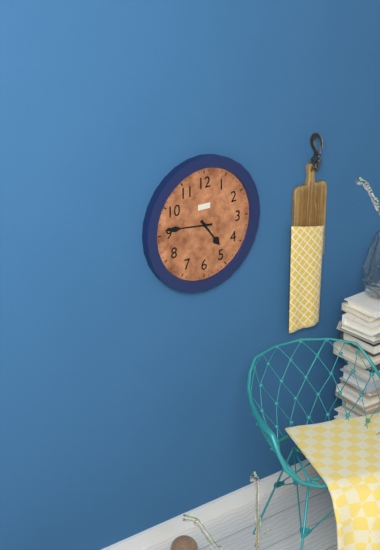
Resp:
**4:46**
